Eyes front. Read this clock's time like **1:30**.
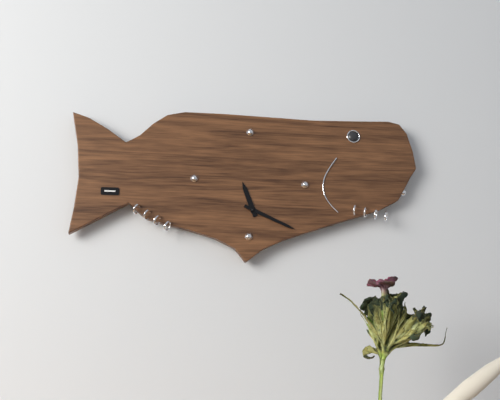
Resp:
**11:19**
